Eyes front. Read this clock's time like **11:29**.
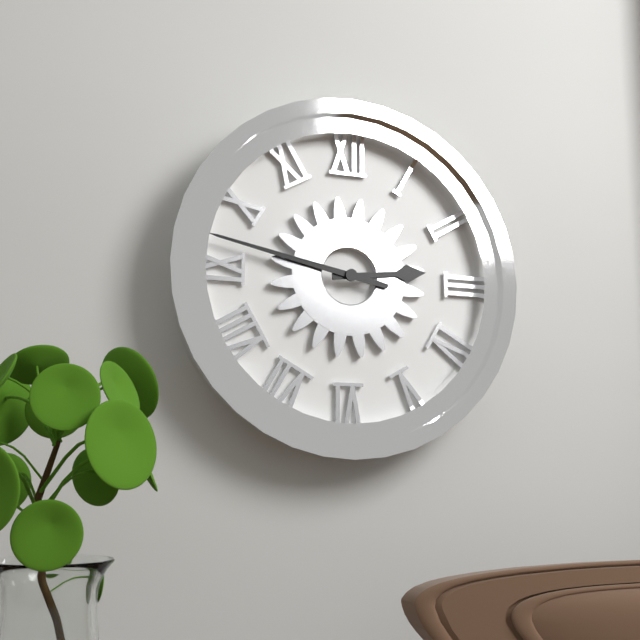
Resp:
**2:47**
